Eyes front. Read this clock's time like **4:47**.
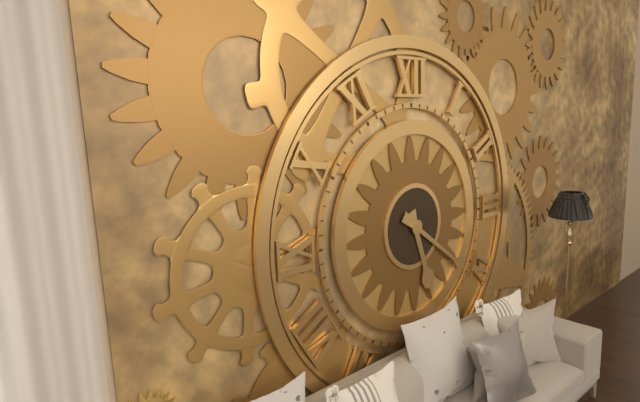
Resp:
**5:21**
